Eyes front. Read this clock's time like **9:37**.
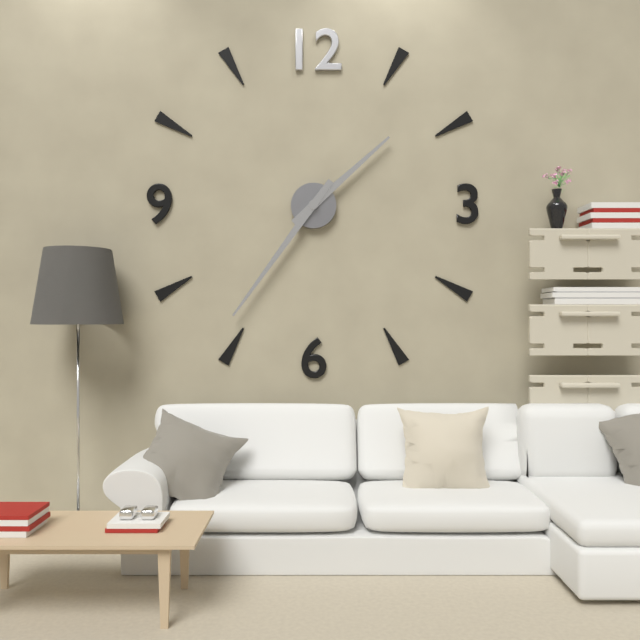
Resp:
**1:36**
